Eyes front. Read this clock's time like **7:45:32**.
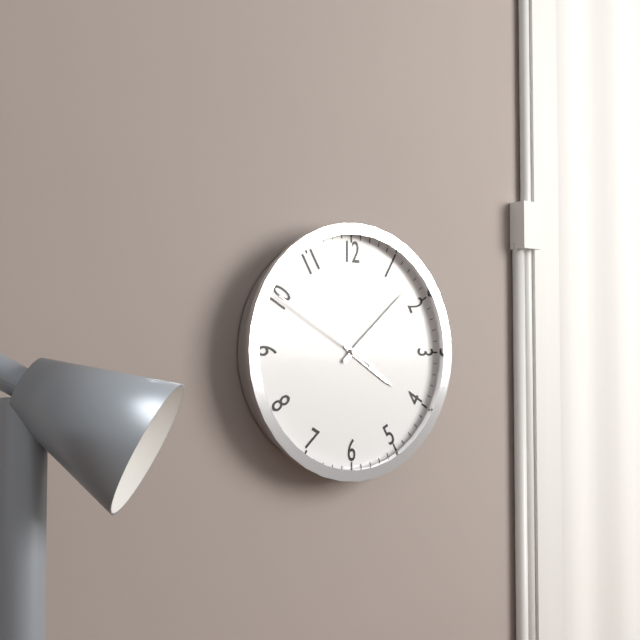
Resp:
**4:08:50**
